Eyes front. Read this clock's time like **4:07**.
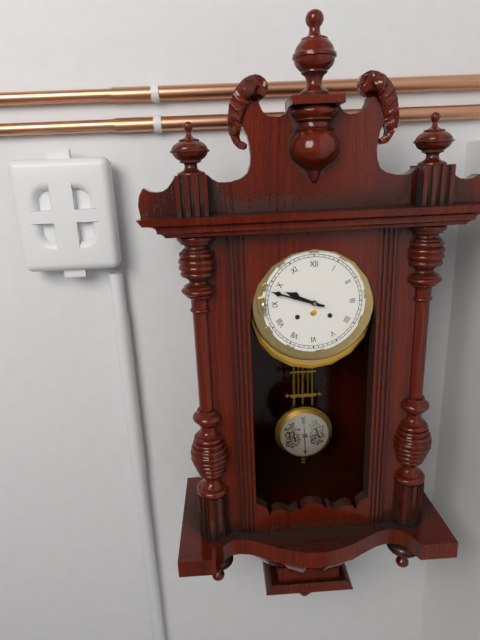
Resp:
**9:48**
